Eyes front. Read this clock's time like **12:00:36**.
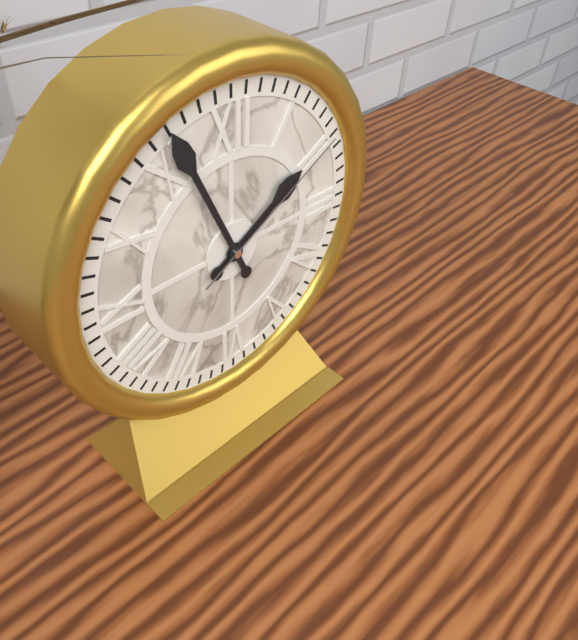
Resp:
**1:56:10**
